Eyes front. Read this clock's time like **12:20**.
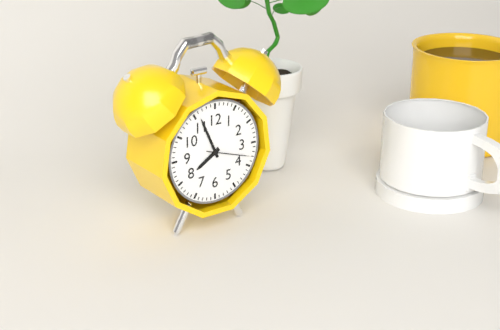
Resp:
**7:56**
